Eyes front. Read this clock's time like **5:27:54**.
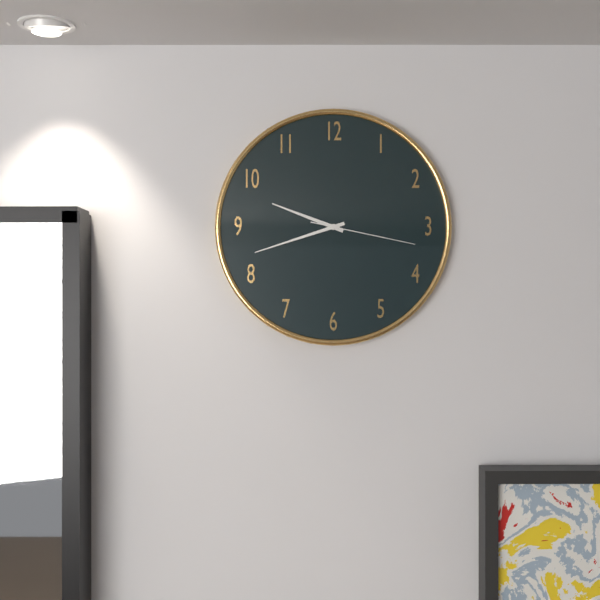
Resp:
**9:42:17**
